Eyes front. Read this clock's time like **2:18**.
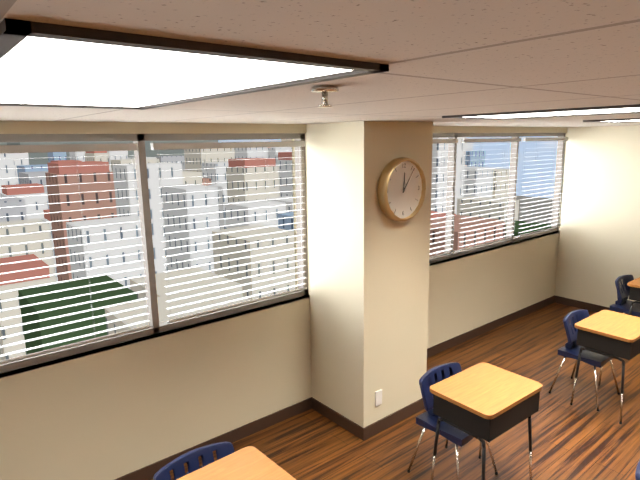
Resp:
**12:06**
